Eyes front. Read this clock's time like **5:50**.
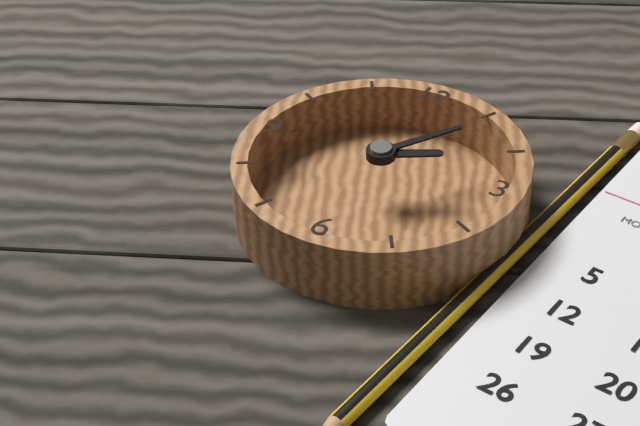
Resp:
**2:06**
